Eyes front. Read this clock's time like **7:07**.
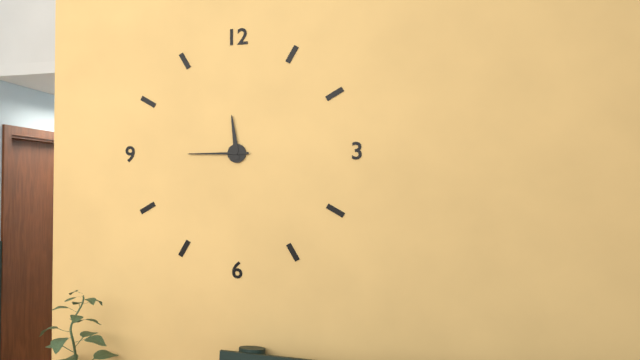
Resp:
**11:45**
